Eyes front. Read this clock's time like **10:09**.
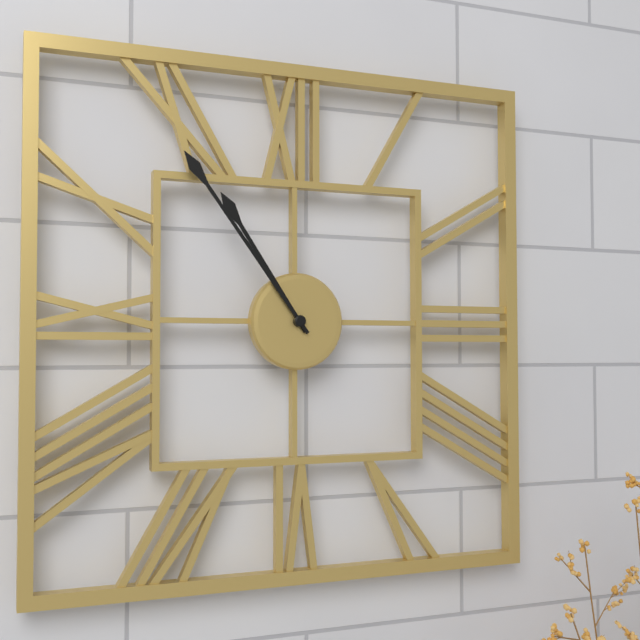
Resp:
**10:54**
